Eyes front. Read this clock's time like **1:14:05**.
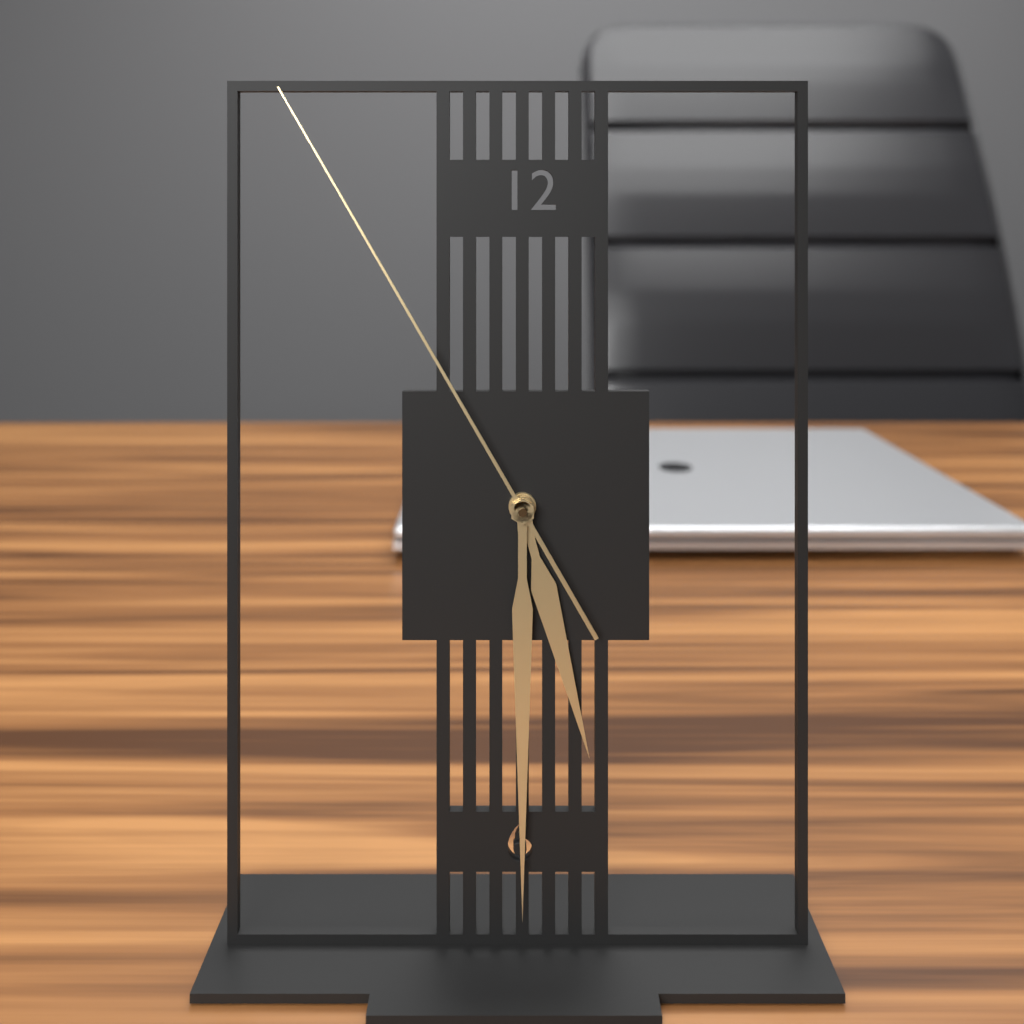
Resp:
**5:30:55**
